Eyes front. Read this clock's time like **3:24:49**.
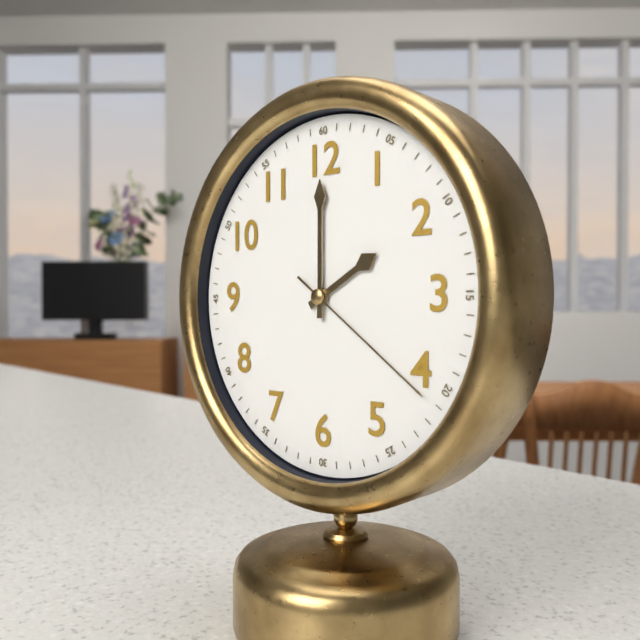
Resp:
**2:00:21**
